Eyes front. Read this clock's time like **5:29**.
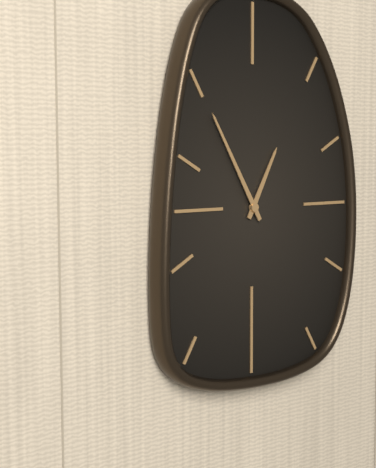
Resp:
**12:55**
